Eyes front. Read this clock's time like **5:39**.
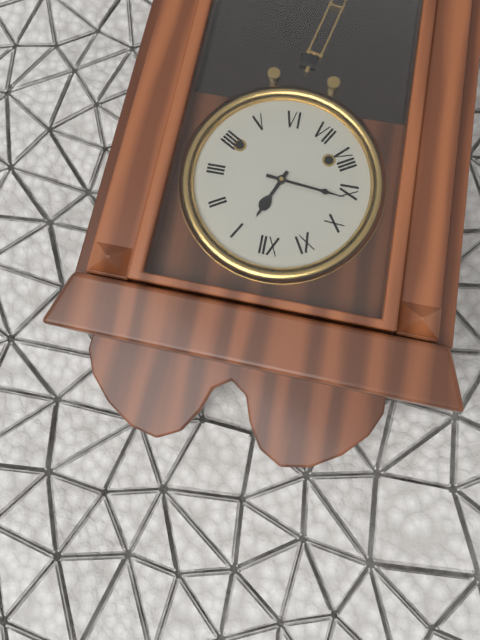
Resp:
**12:46**
